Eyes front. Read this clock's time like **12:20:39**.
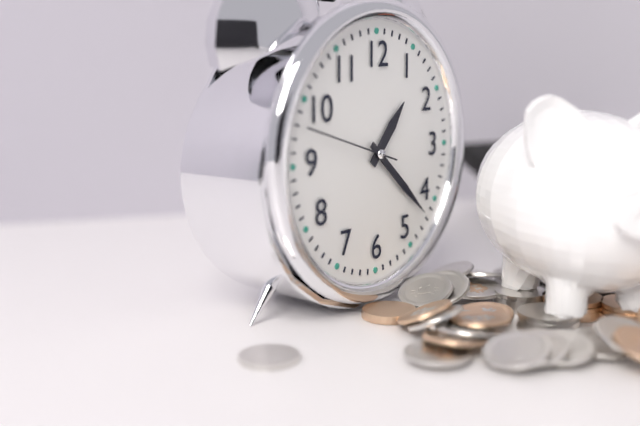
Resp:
**1:22:48**
